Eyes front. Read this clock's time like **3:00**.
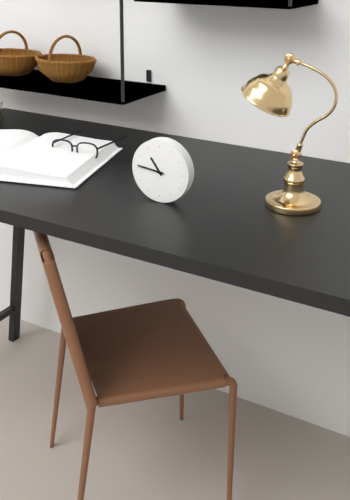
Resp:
**10:46**
